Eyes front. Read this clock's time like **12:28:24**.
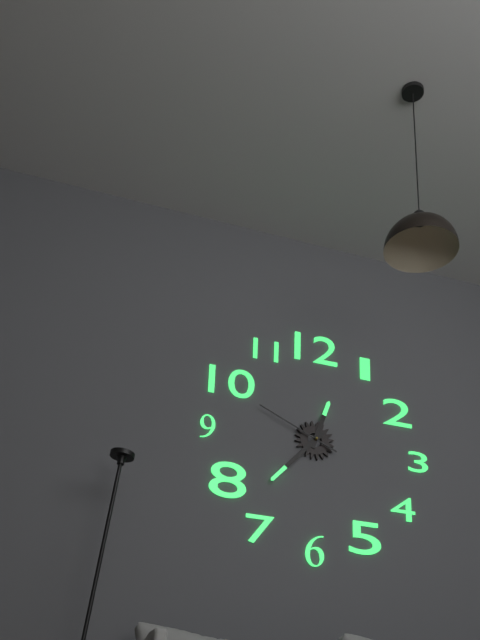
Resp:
**12:37:49**
